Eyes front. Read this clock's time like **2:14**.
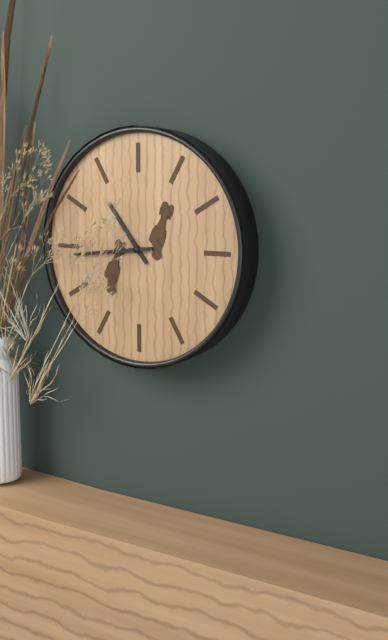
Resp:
**10:44**
